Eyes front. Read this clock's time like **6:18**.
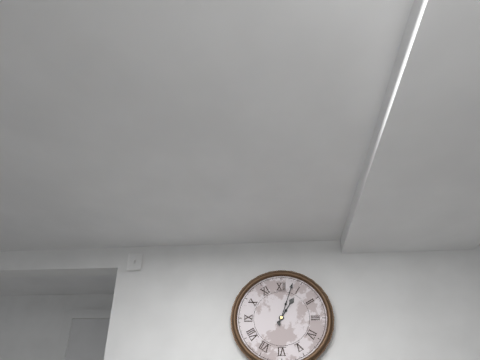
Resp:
**1:03**
